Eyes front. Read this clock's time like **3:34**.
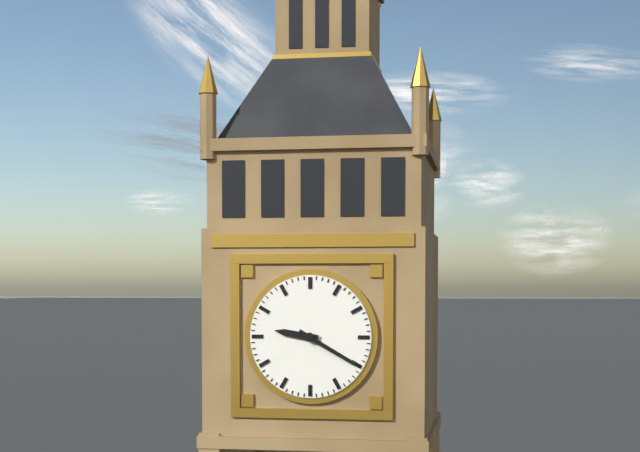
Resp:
**9:20**
